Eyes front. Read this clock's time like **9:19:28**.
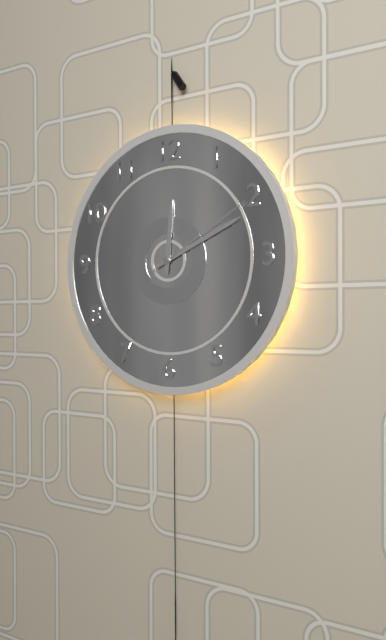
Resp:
**12:11:10**
